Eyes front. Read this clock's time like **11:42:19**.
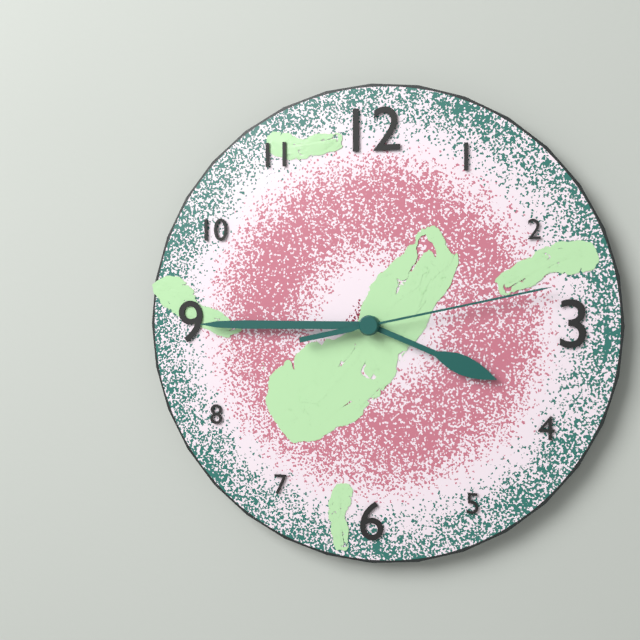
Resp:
**3:45:13**
